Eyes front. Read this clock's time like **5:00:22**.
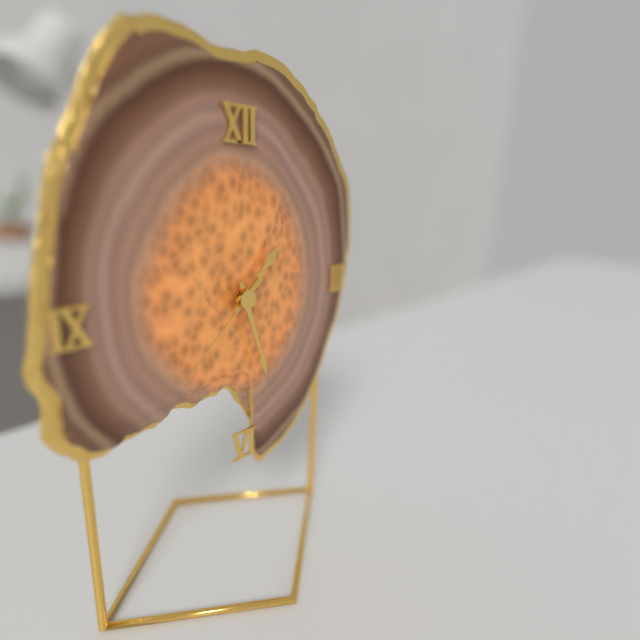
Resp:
**1:27:38**
